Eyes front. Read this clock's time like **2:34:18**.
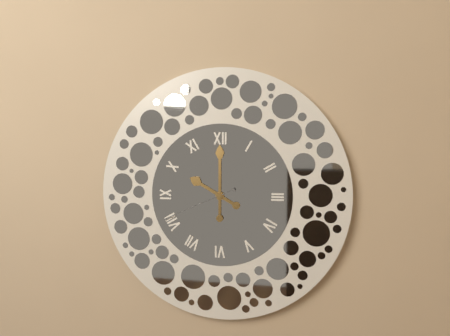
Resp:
**10:00:41**
